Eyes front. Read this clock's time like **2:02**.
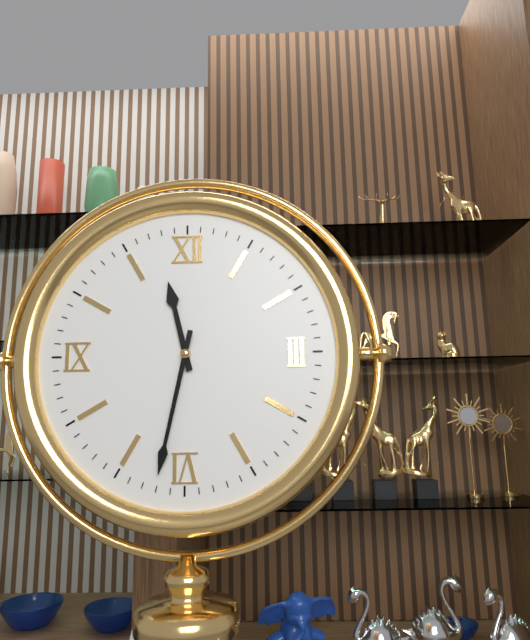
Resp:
**11:32**
